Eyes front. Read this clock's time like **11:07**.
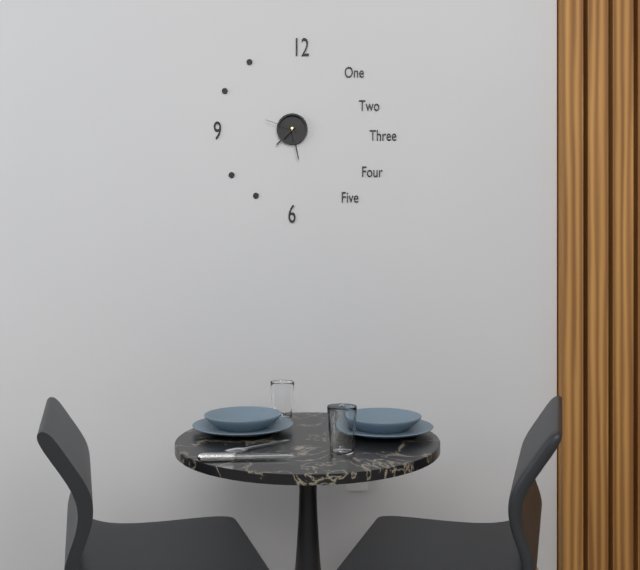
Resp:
**7:28**
